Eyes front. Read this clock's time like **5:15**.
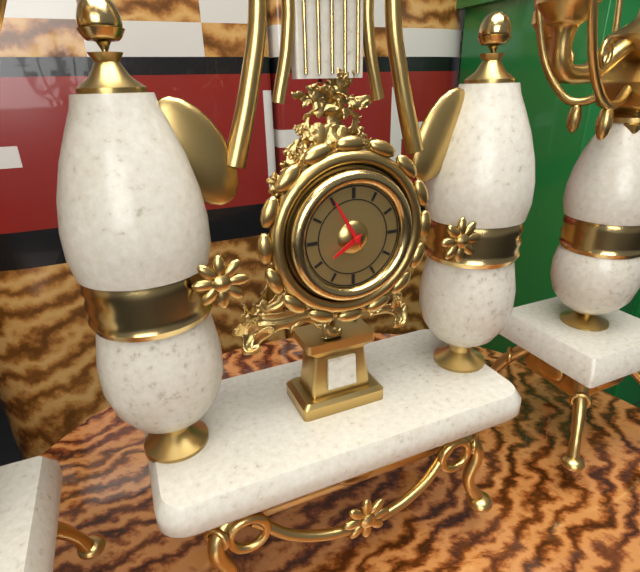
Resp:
**7:55**
